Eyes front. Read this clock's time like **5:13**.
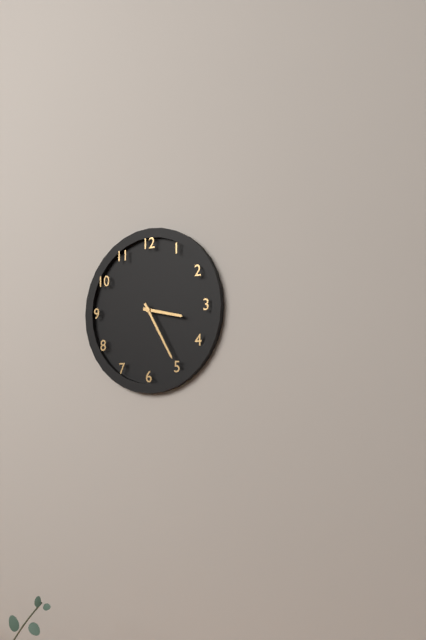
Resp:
**3:25**
